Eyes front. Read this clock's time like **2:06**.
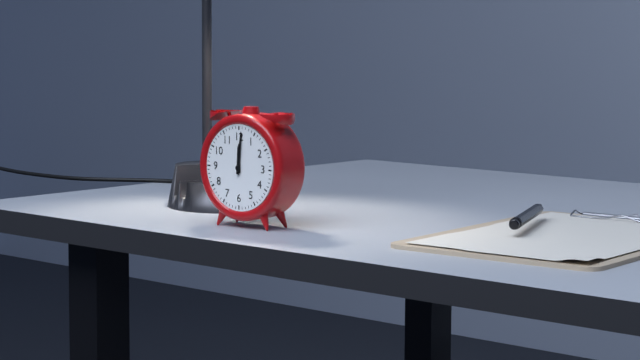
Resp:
**12:01**
